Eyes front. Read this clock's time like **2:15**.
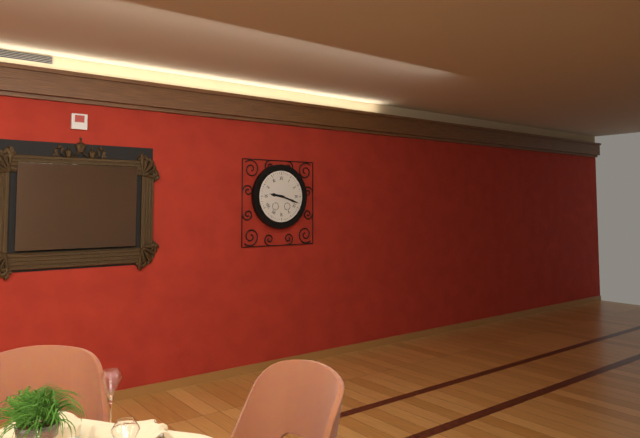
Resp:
**9:18**
